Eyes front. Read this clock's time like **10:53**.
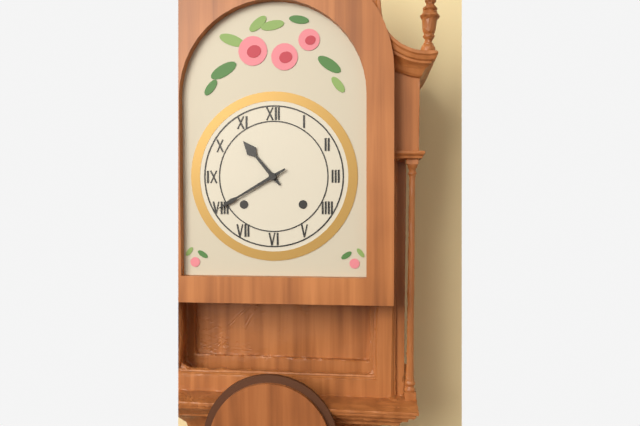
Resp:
**10:40**
